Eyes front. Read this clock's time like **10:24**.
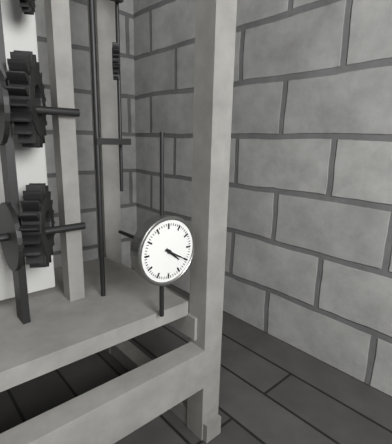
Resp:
**4:20**
